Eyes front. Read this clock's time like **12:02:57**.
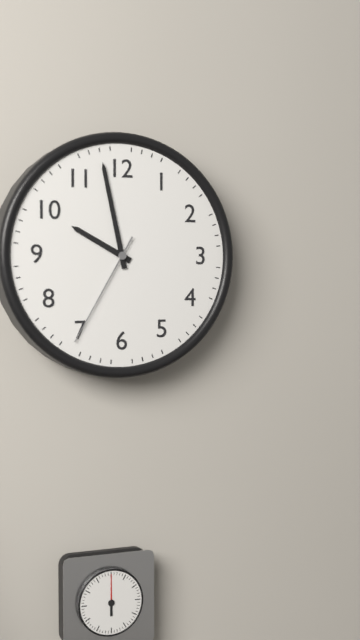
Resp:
**9:58:35**
